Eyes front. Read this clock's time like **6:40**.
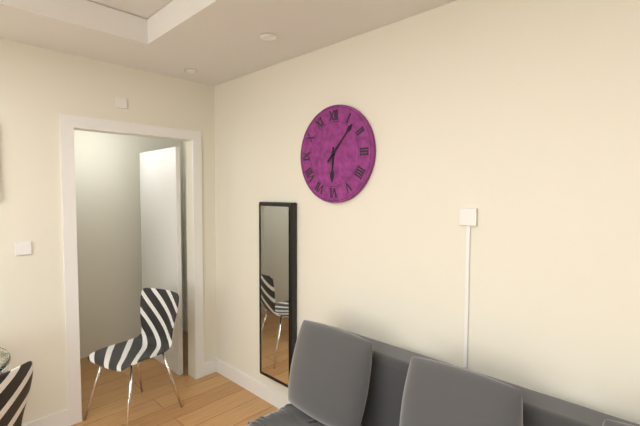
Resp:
**6:07**
